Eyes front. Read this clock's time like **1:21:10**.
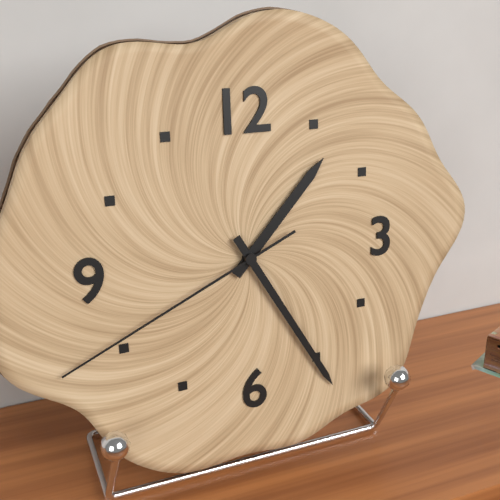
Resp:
**1:25:41**
